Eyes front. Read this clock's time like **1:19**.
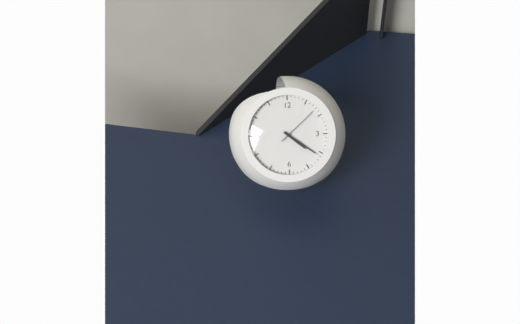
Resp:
**4:21**
